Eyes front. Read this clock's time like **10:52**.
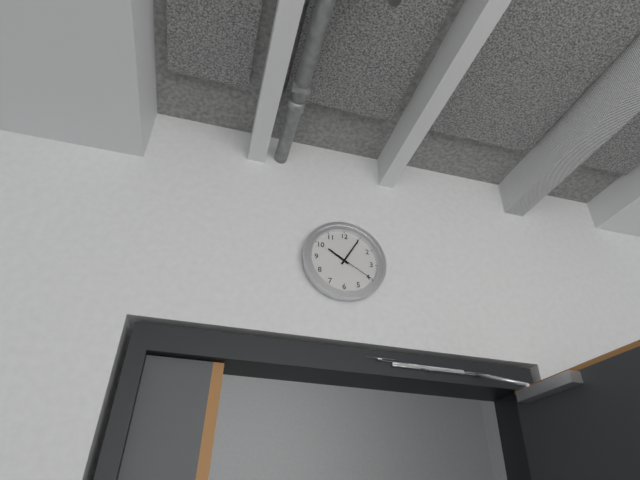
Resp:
**10:05**
